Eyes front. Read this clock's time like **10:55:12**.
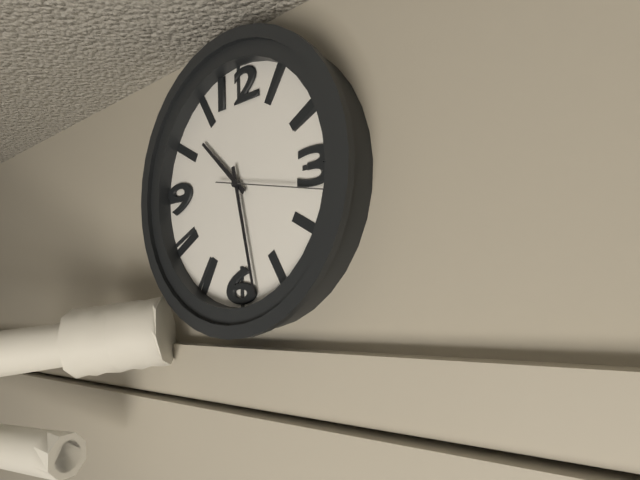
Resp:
**10:28:17**
